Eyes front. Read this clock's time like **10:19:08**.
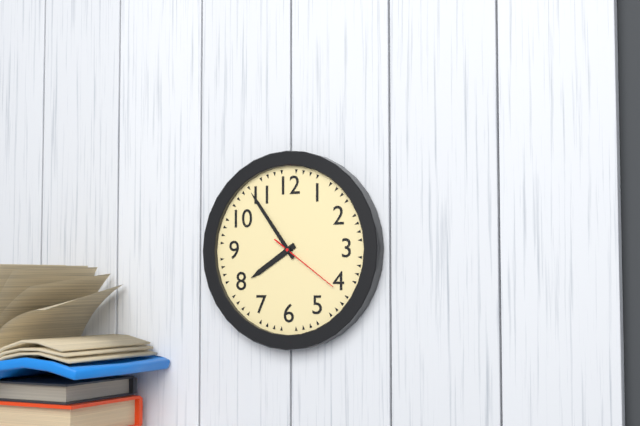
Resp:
**7:54:21**
